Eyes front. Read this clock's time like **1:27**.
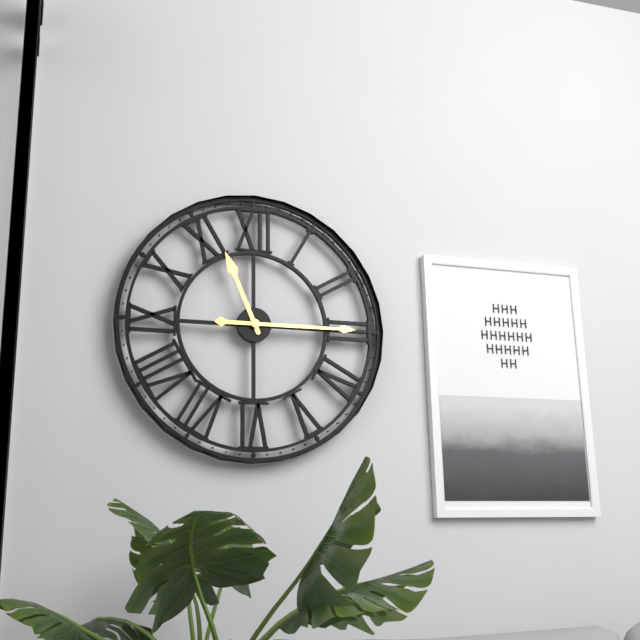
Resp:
**11:15**
